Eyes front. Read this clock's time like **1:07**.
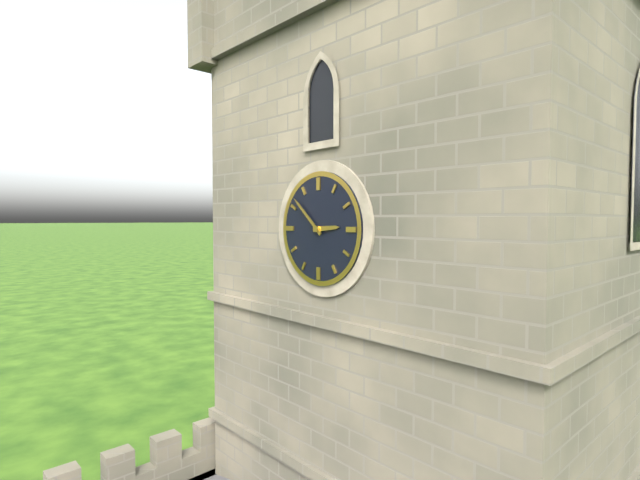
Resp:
**2:52**
